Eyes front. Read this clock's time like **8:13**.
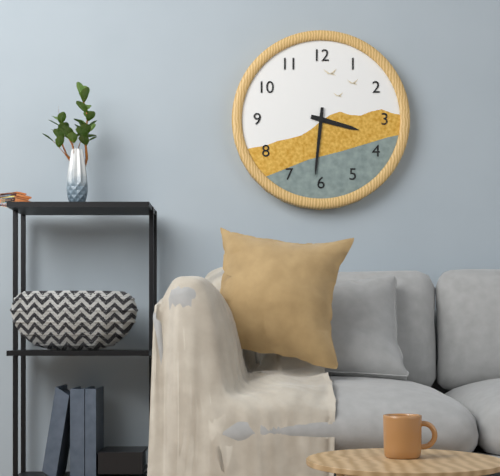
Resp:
**3:31**
